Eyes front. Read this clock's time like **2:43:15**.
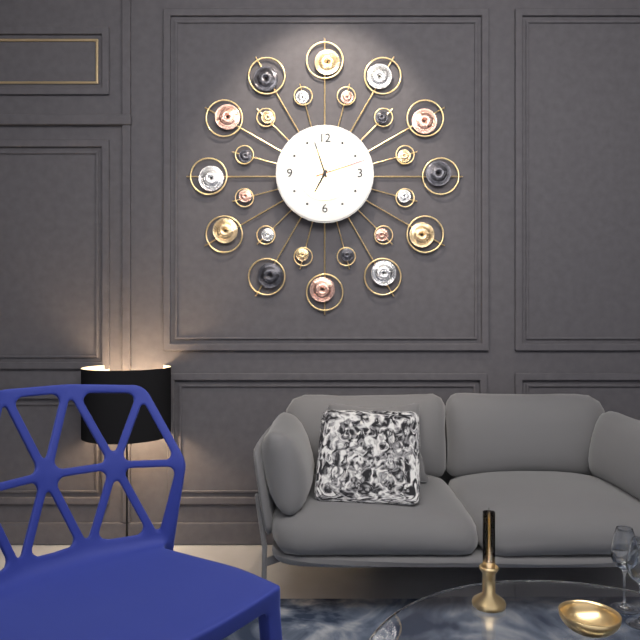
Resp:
**6:57:12**
